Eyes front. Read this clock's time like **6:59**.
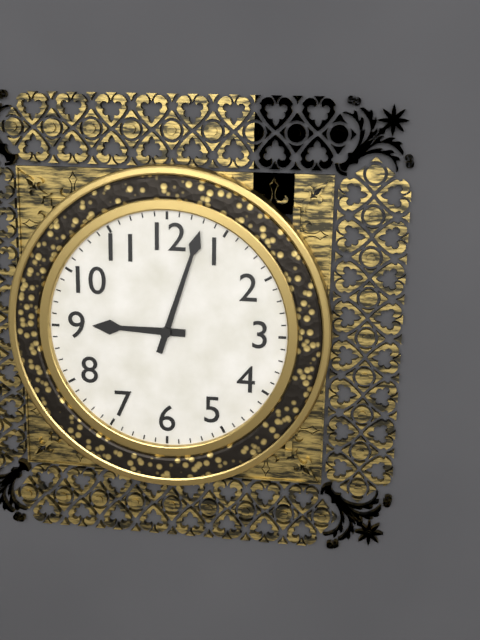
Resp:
**9:03**
